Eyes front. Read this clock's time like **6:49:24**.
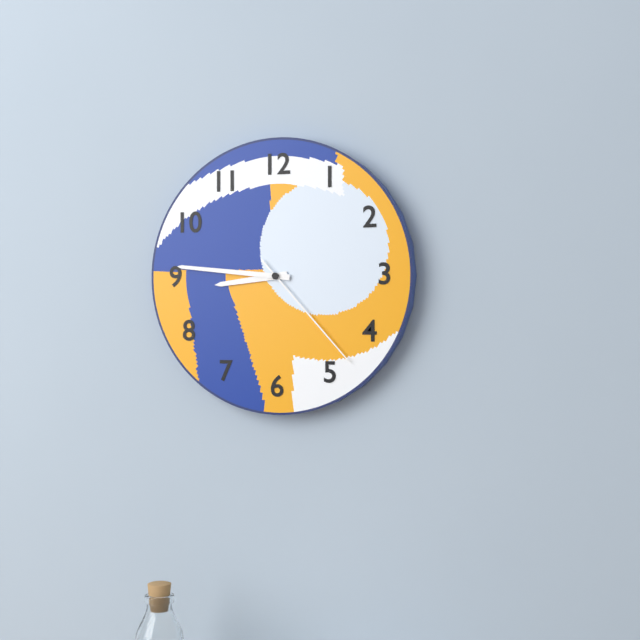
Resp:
**8:46:23**
